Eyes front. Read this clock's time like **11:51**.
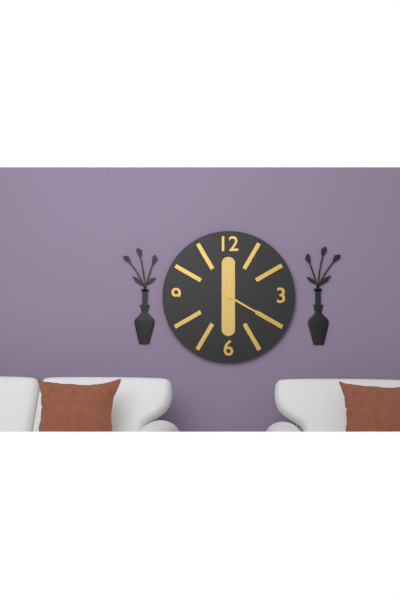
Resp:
**12:20**
